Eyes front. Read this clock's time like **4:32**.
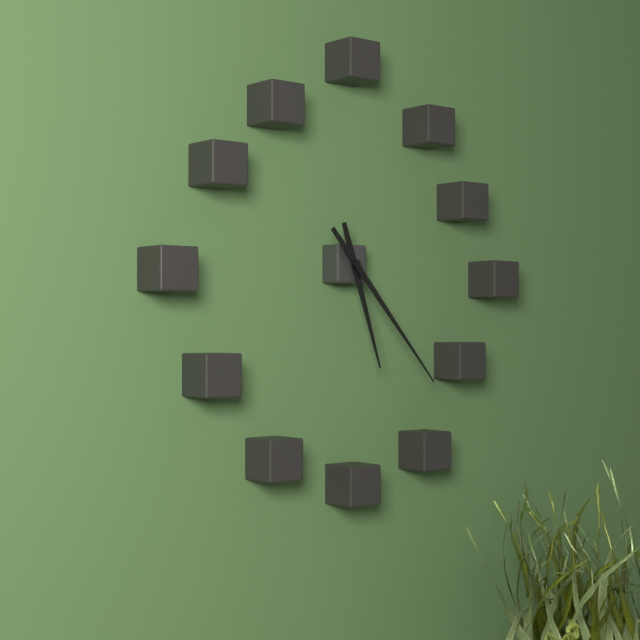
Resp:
**5:23**
